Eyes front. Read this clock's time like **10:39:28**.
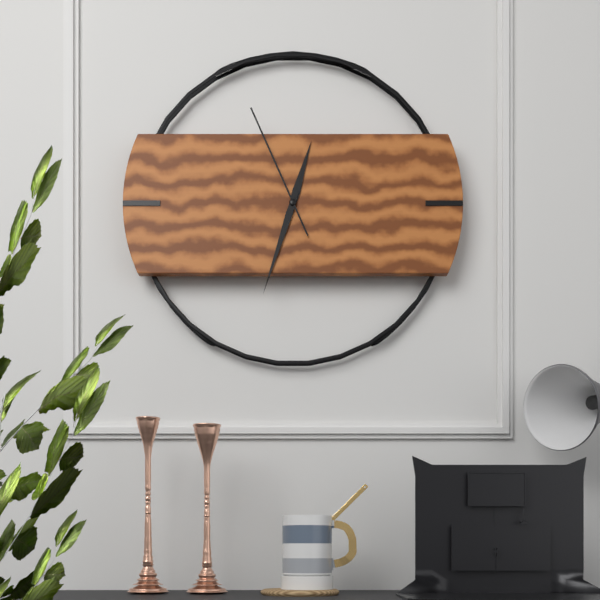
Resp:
**12:33:56**
